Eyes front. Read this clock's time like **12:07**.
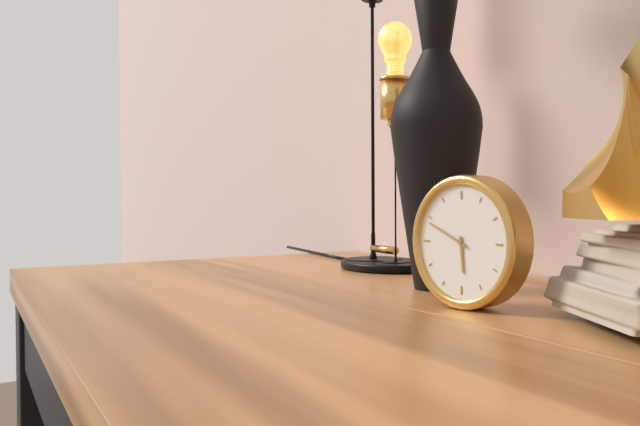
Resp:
**5:49**
